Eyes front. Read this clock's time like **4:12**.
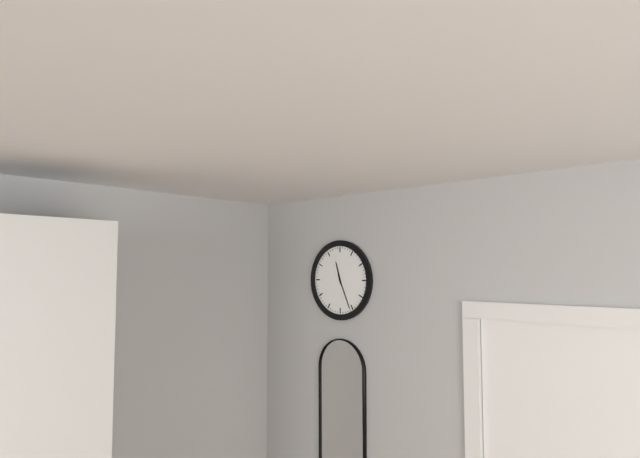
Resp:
**11:26**
